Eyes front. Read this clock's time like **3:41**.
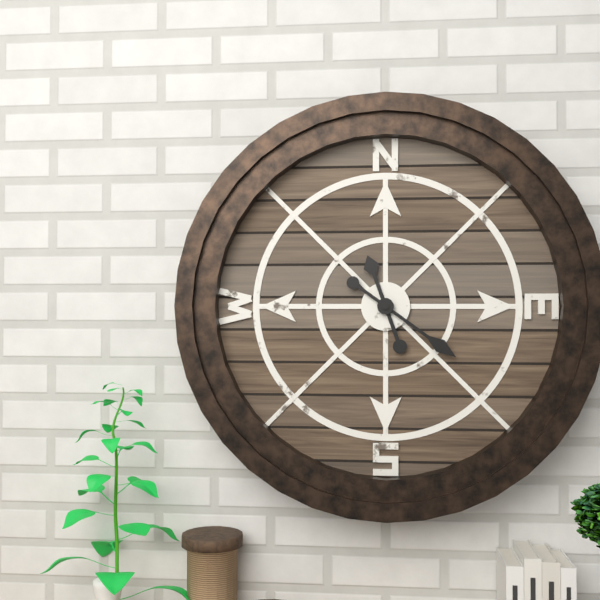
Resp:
**11:21**
